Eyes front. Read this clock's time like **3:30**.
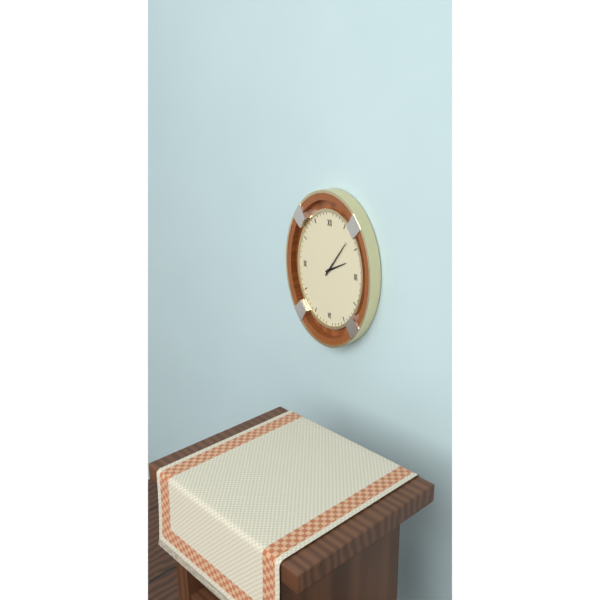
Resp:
**2:06**
